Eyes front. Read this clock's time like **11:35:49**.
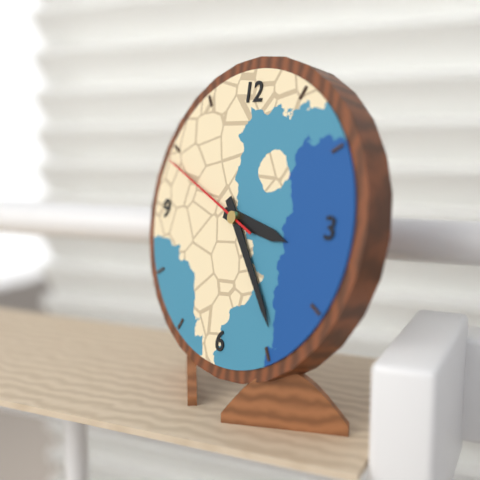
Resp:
**3:24:49**
